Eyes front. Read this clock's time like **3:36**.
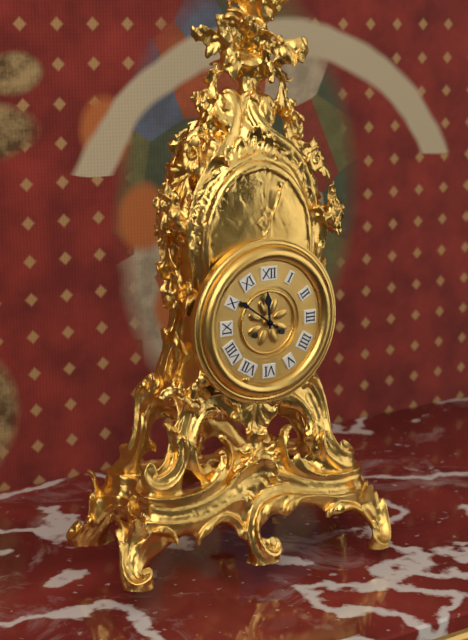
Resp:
**11:51**
